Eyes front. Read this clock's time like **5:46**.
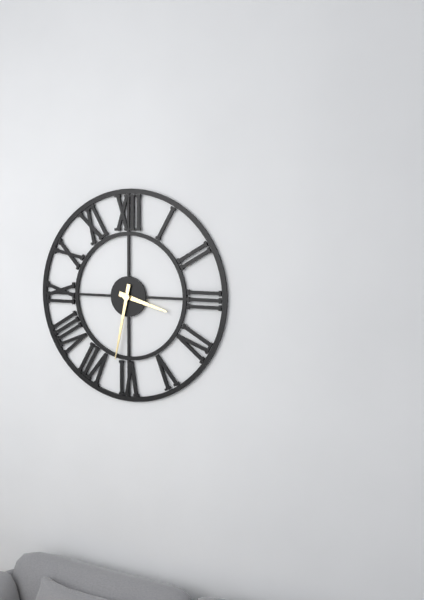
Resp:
**3:32**
